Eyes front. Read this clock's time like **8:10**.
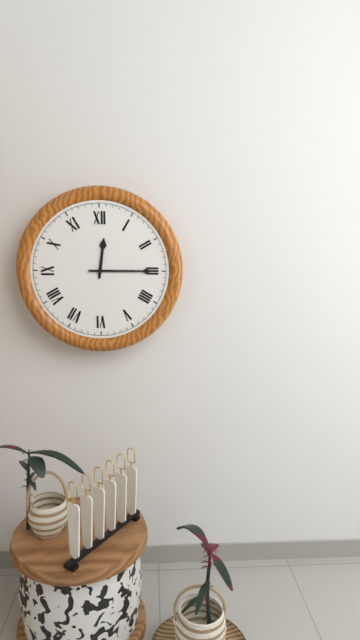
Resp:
**12:15**
